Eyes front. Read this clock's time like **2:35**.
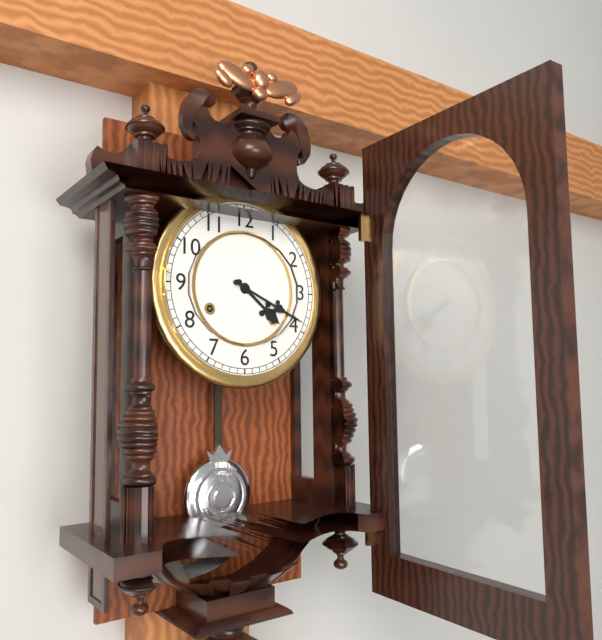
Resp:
**4:19**
